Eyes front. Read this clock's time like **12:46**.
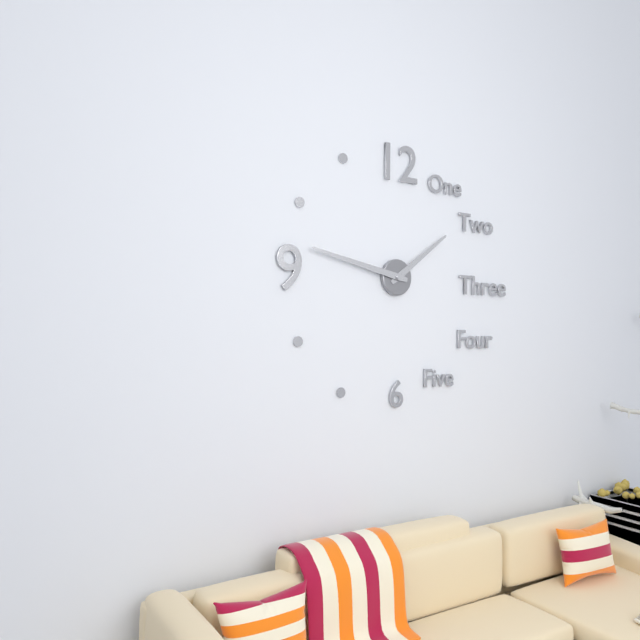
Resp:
**1:47**
